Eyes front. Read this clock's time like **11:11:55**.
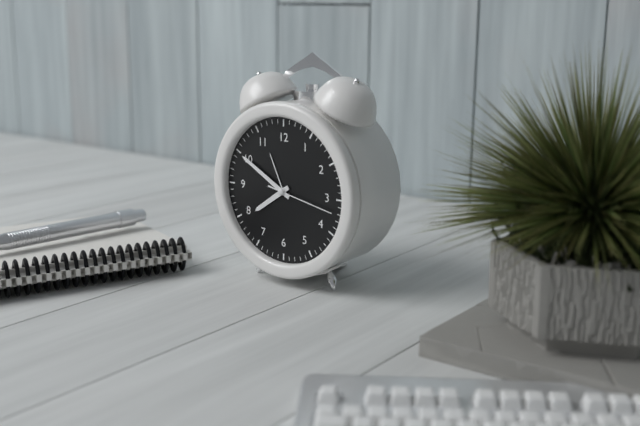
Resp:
**7:50:17**
